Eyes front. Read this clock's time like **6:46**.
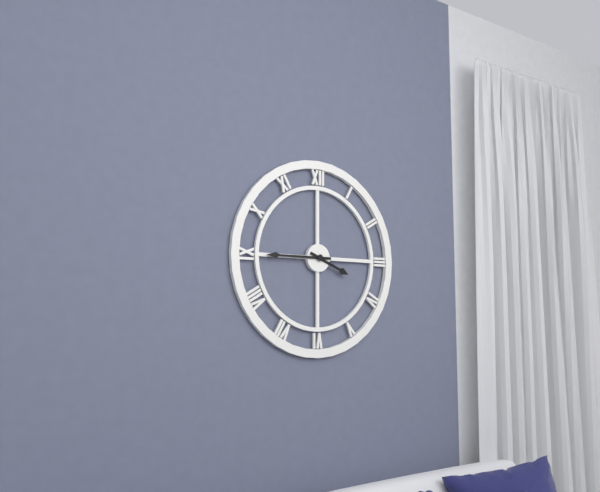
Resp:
**3:45**
